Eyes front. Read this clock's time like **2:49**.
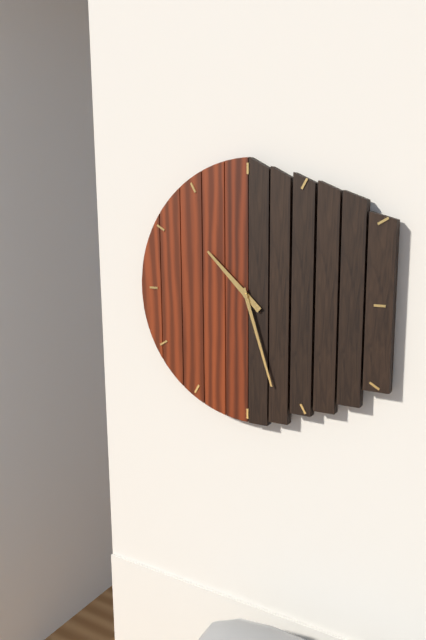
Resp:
**10:27**
